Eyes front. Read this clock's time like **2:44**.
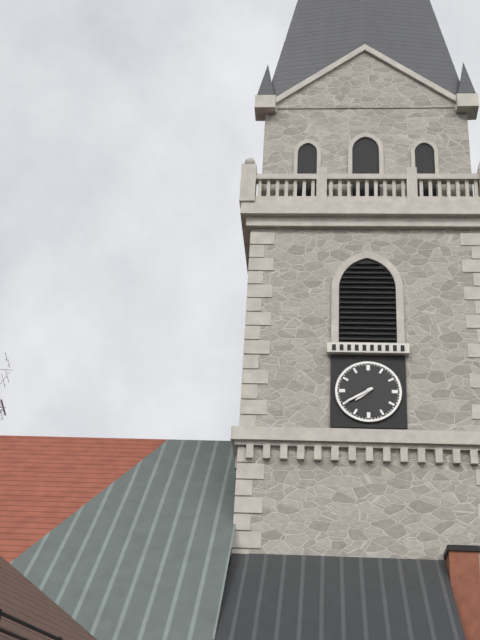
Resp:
**7:40**
